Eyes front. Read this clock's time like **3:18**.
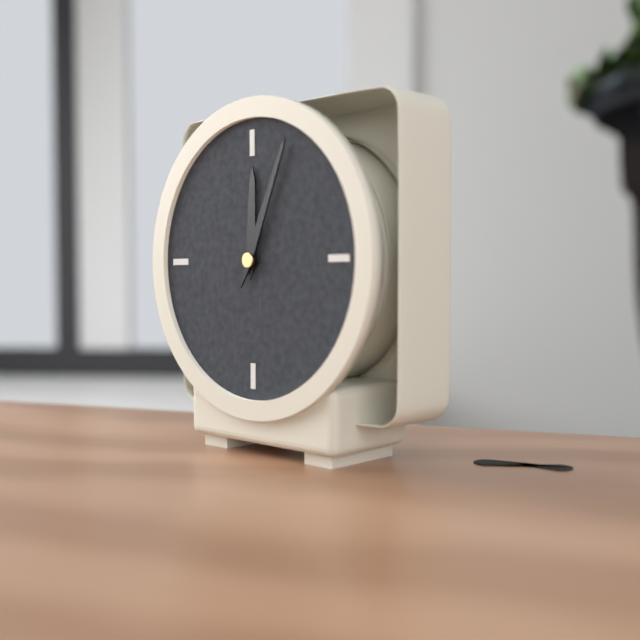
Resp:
**12:04**
